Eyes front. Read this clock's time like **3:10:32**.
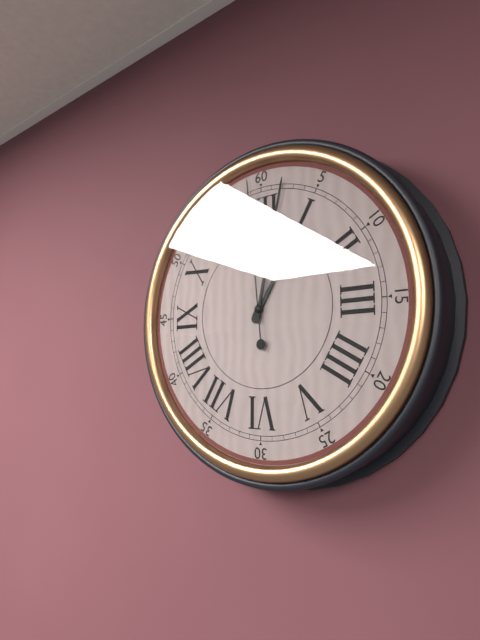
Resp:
**1:02:59**
